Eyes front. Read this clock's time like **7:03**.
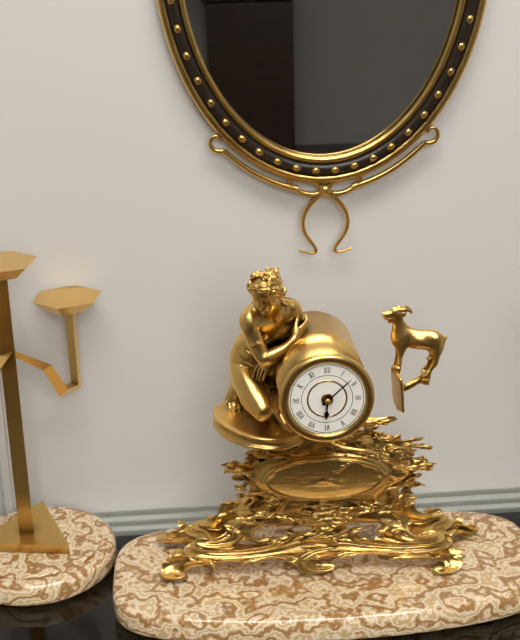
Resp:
**6:08**
